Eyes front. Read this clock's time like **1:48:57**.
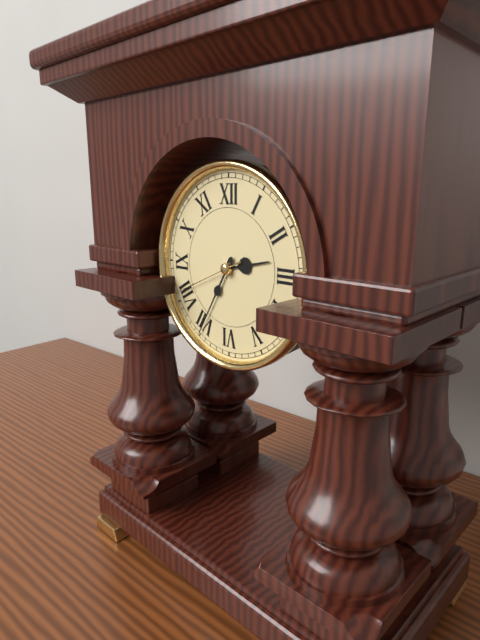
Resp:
**2:35:41**
